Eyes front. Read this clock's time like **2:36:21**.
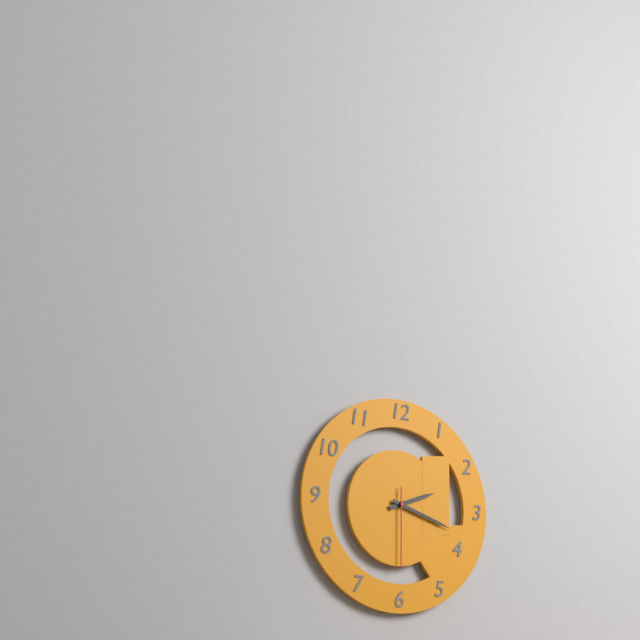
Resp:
**2:18:30**
